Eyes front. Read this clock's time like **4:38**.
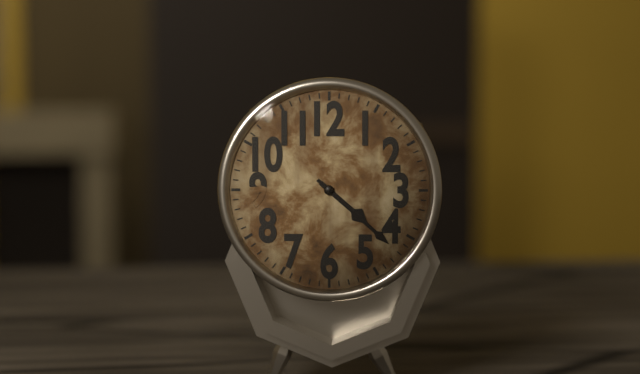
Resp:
**4:22**
